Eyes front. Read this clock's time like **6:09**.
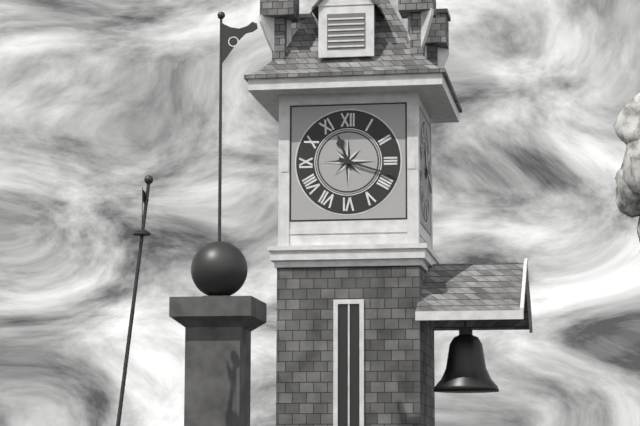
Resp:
**11:18**
